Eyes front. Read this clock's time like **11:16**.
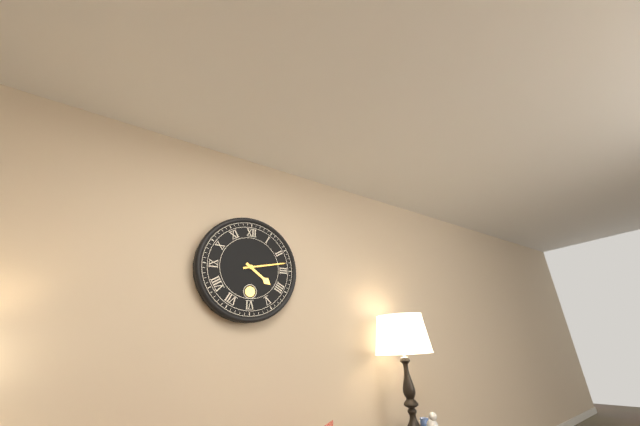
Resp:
**4:13**
